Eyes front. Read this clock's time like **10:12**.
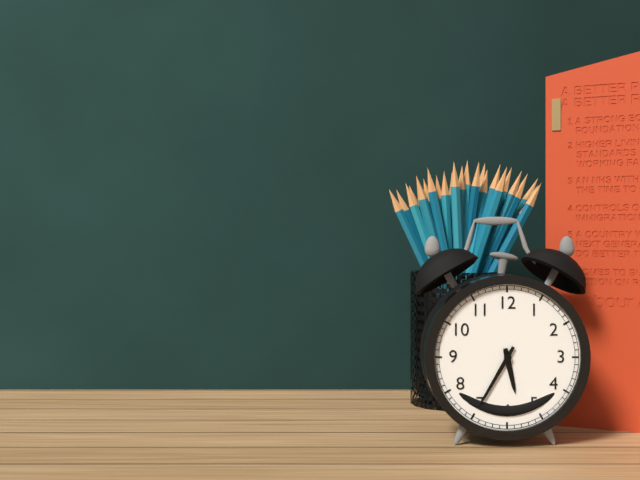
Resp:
**5:35**
